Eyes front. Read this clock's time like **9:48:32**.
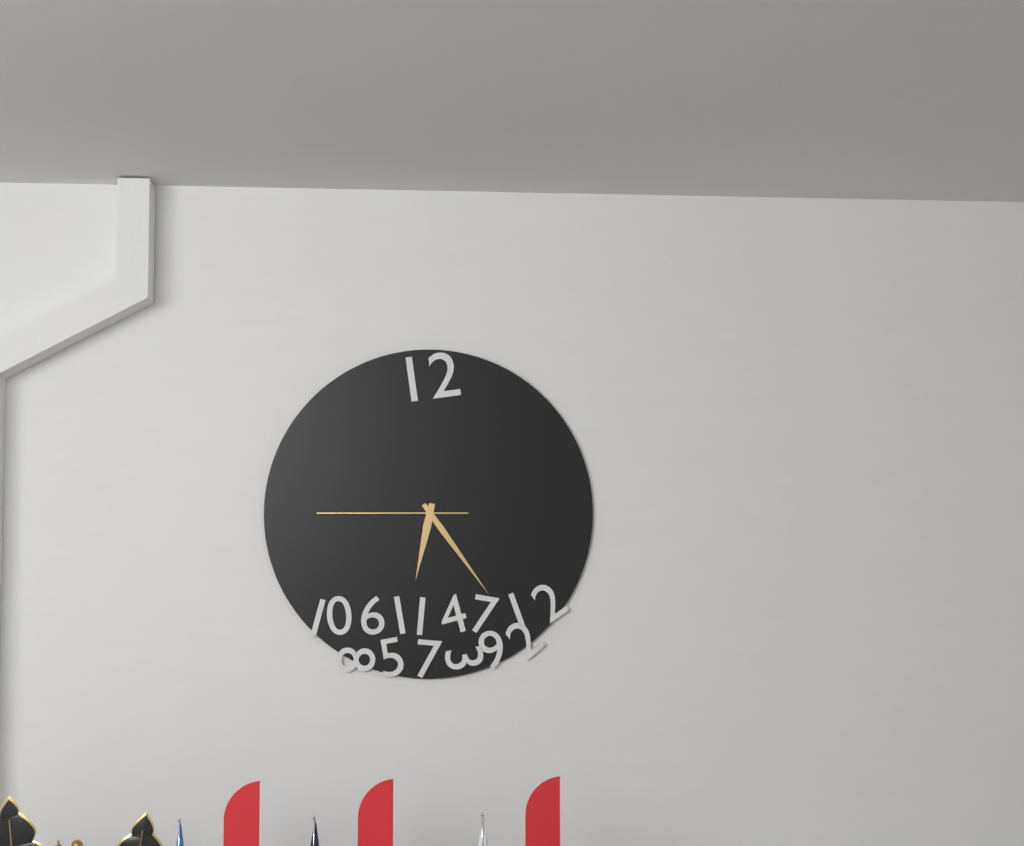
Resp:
**6:24:45**
